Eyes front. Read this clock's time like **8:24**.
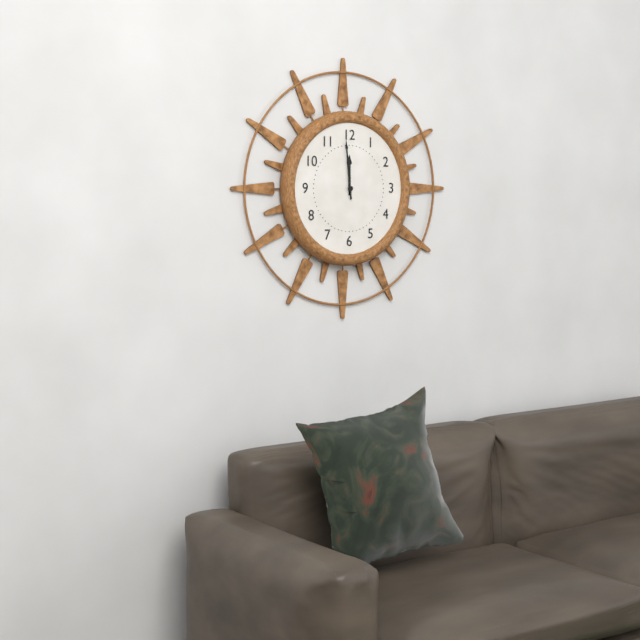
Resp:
**11:59**
